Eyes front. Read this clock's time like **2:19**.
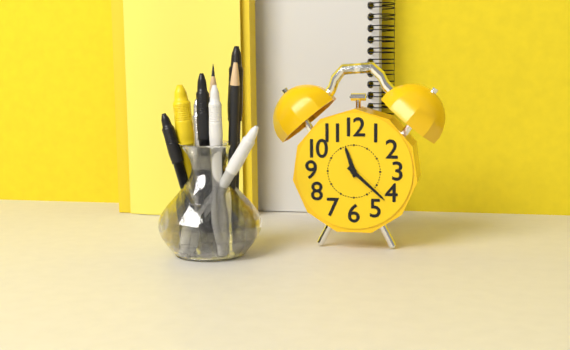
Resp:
**11:22**
